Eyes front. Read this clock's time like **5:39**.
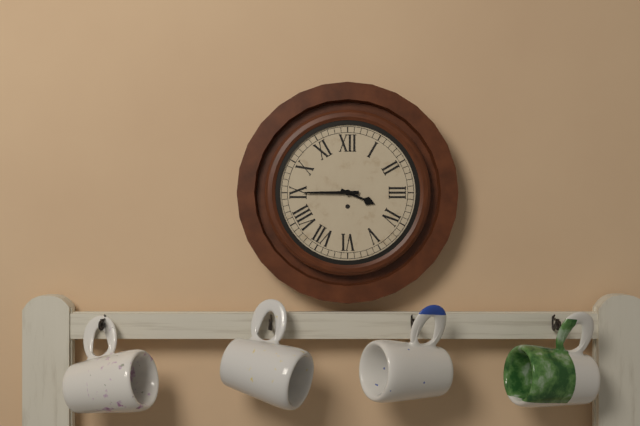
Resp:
**3:45**
